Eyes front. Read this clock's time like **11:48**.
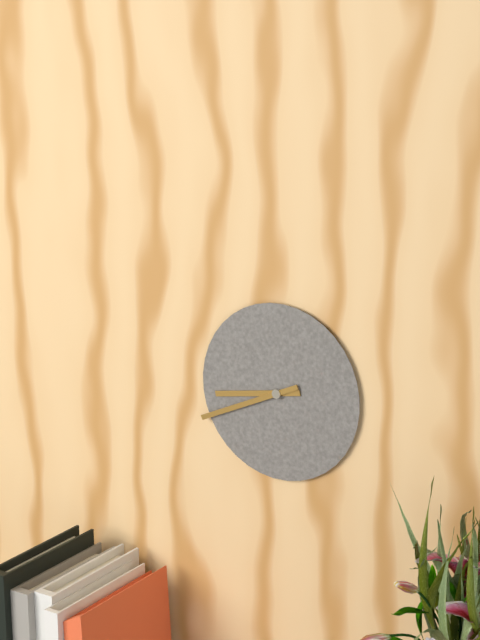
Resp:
**8:41**
